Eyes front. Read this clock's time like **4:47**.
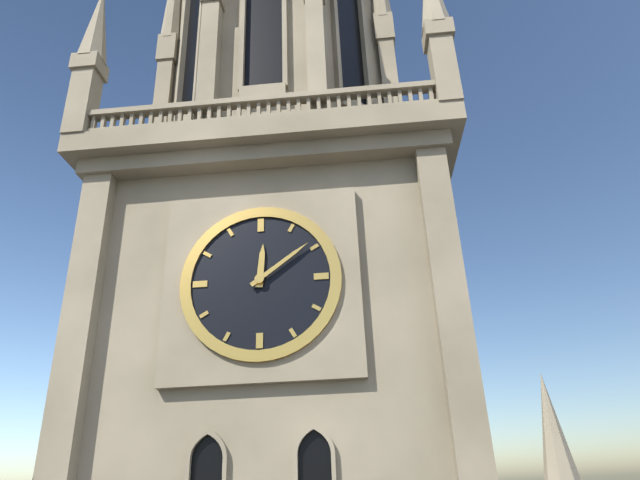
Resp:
**12:09**
